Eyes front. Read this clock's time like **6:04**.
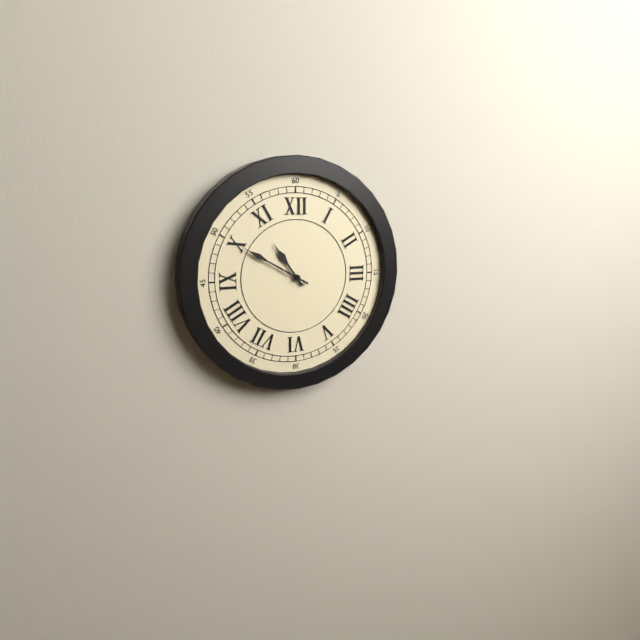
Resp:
**10:50**
